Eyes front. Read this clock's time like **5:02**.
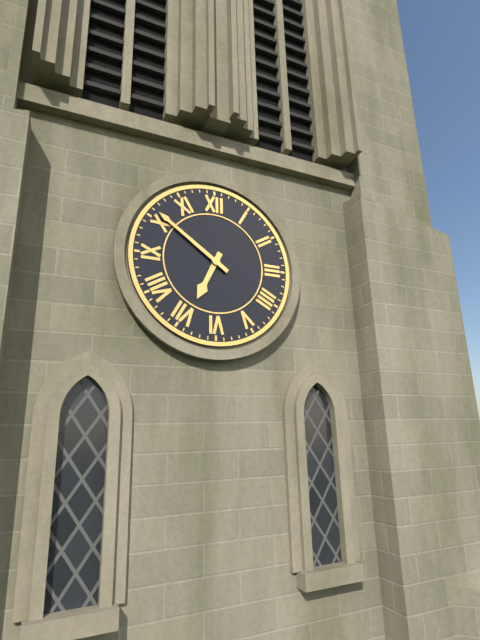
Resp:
**6:51**
